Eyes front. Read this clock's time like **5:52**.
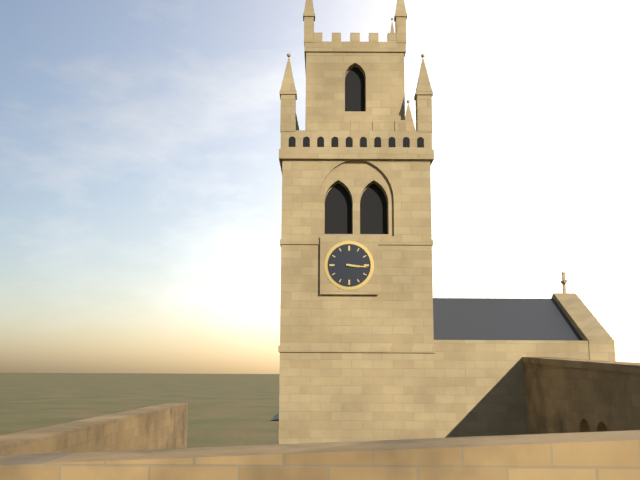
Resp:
**3:16**
